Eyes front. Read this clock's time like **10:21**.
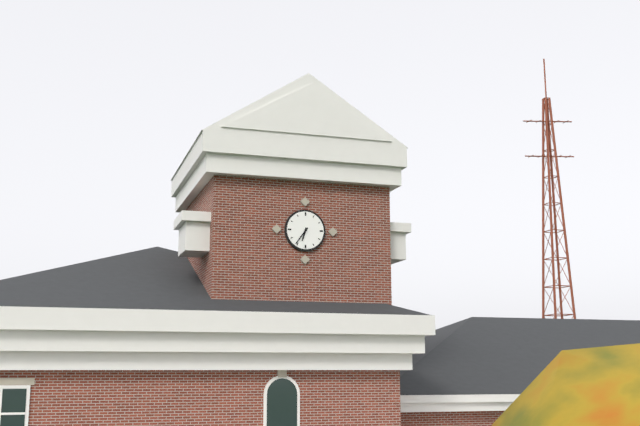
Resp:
**6:36**
